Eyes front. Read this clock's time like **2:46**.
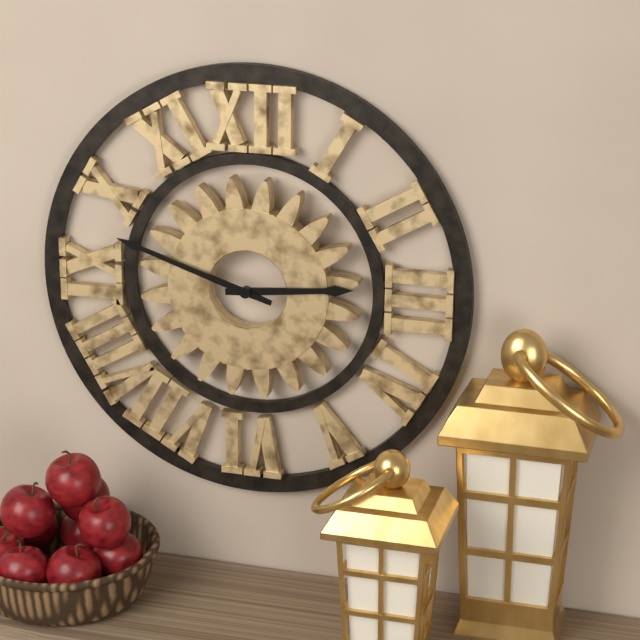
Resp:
**2:48**
